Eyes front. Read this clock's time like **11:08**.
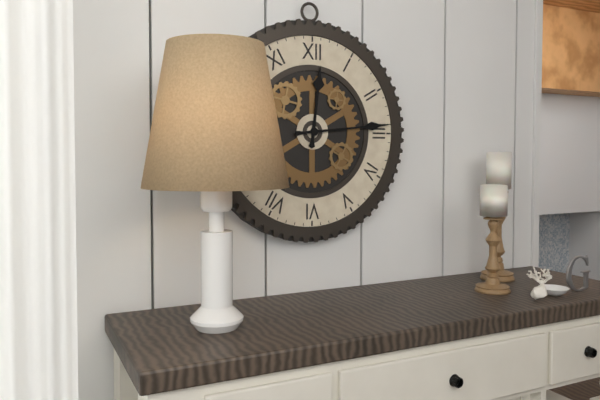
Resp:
**12:14**
